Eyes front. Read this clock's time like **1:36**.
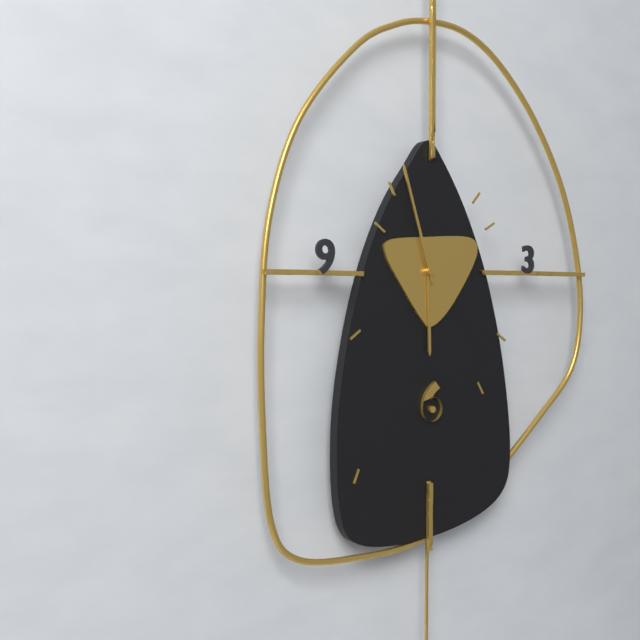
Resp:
**5:57**
